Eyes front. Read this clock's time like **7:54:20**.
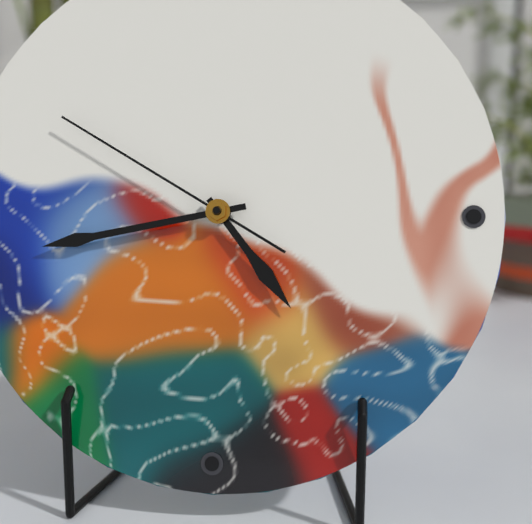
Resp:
**4:43:50**
